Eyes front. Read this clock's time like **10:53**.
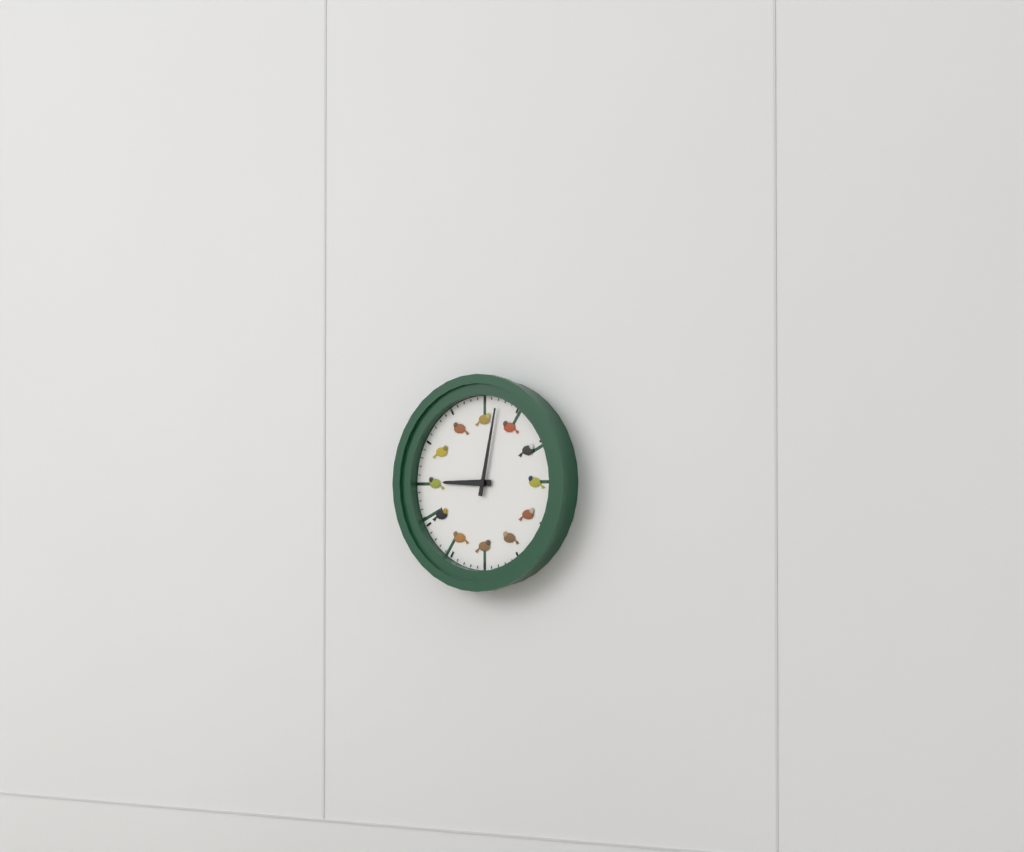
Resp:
**9:02**
